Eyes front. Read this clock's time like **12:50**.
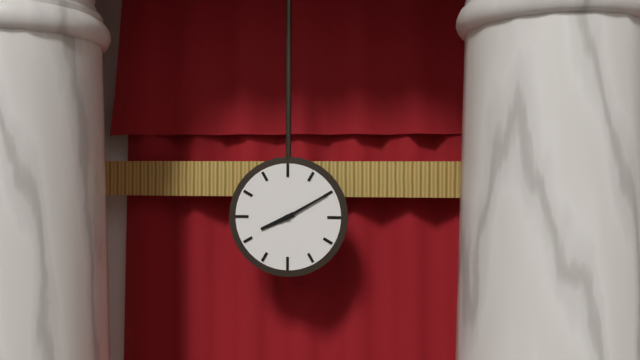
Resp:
**8:10**
